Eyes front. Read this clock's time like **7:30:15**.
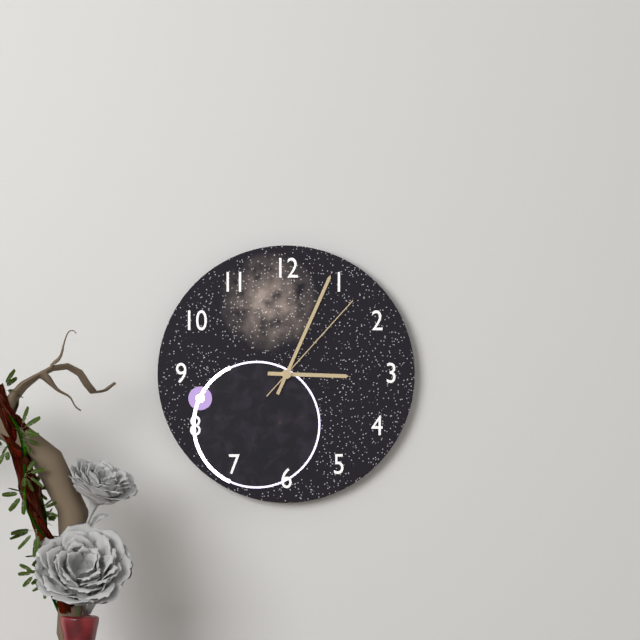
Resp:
**3:04:07**
